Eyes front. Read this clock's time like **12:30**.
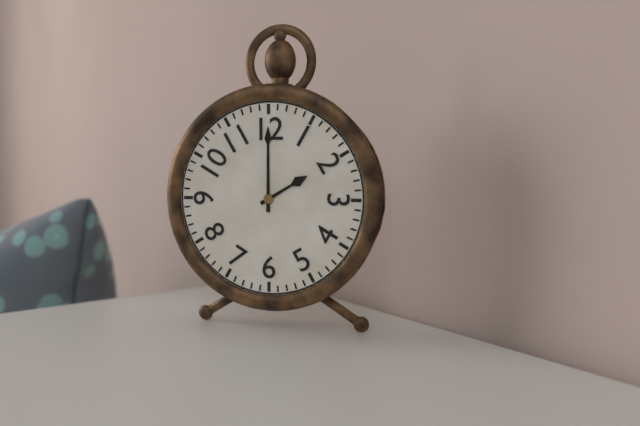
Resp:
**2:00**
